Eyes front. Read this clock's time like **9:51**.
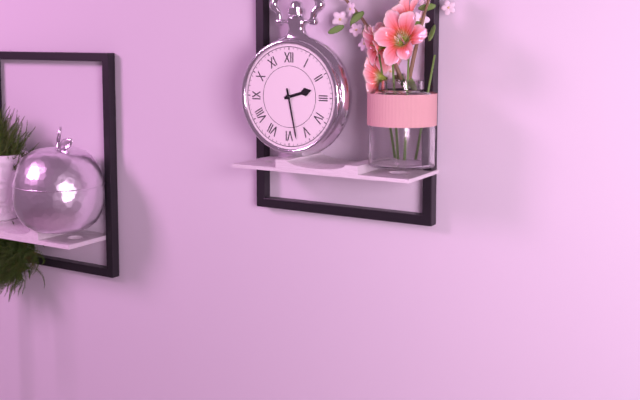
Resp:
**2:28**
